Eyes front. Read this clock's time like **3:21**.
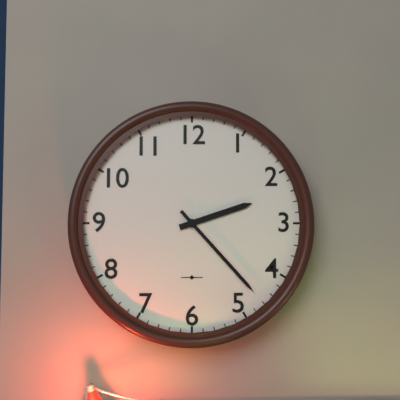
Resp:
**2:23**
